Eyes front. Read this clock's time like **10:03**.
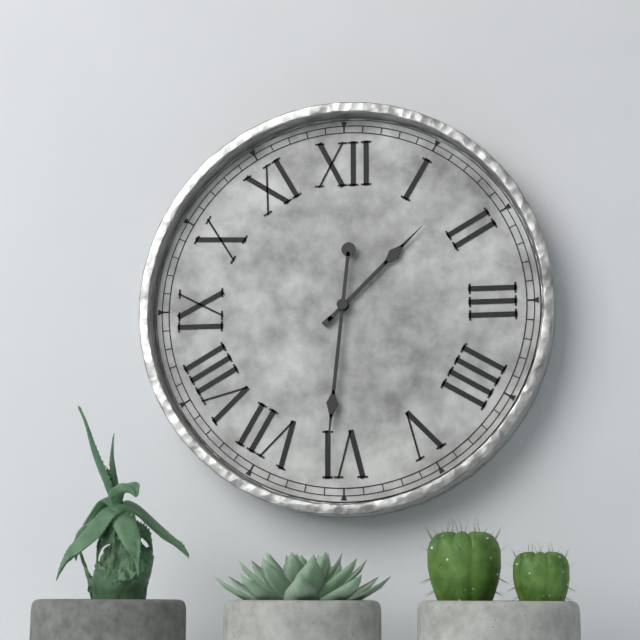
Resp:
**1:31**
